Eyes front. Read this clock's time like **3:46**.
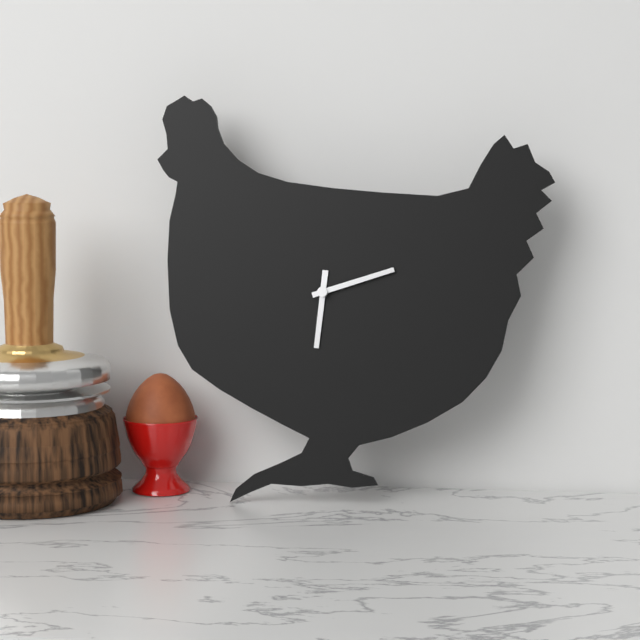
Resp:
**6:12**
